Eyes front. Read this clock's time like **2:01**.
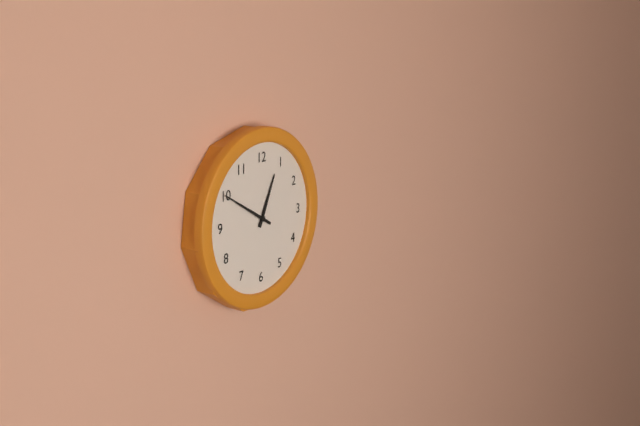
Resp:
**12:50**
